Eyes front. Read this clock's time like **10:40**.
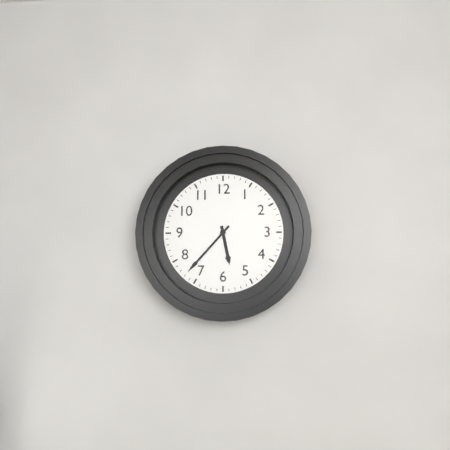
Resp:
**5:37**
